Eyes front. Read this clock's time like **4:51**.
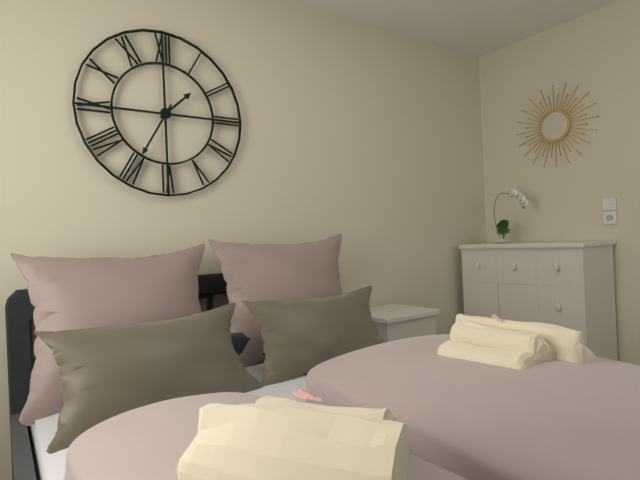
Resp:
**1:35**
